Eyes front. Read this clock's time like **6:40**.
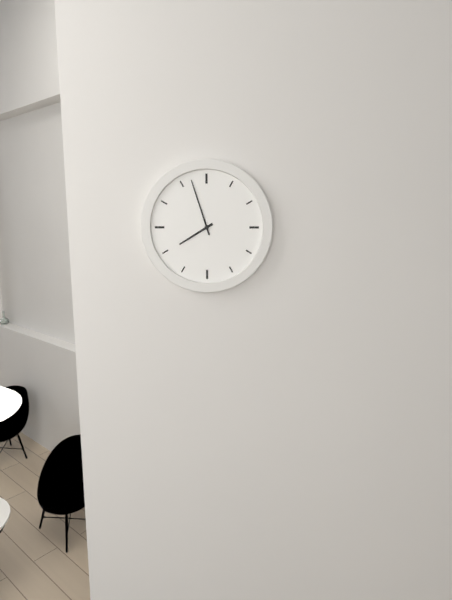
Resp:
**7:57**
